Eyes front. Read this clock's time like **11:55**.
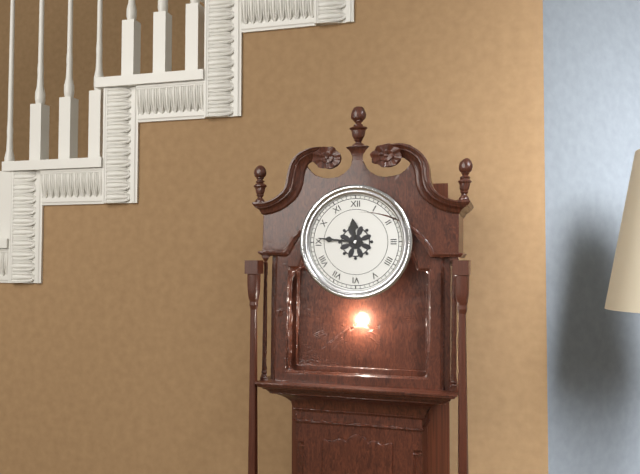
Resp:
**11:46**
